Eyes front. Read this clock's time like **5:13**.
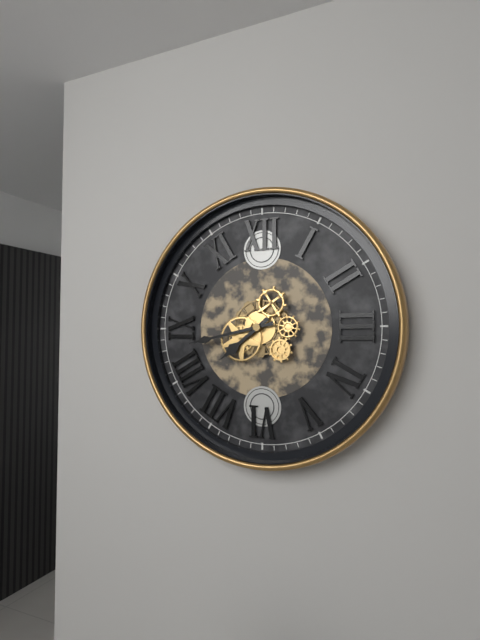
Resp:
**7:43**
